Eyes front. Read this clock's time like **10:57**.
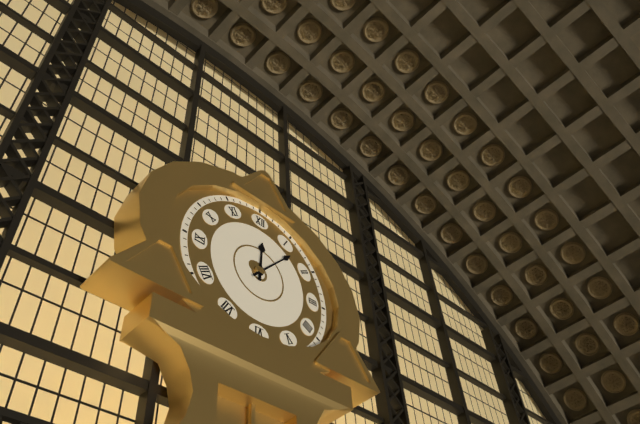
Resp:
**12:07**
